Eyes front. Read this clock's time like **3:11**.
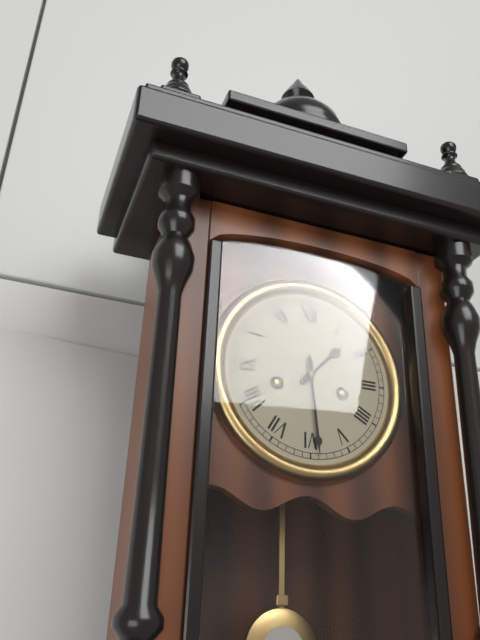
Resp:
**1:29**
